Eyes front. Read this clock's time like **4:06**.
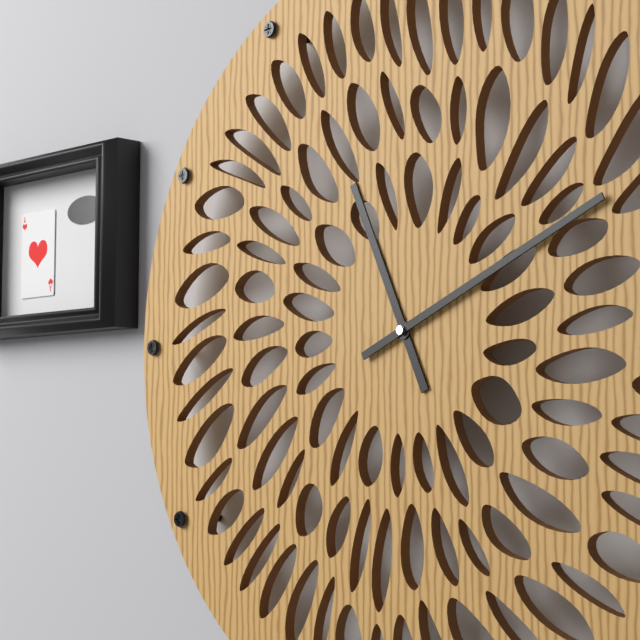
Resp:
**11:11**
